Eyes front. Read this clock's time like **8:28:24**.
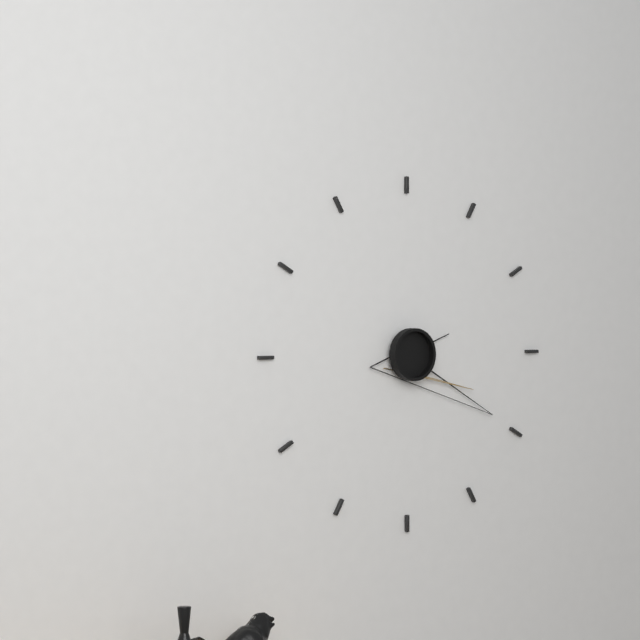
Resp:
**2:20:19**
